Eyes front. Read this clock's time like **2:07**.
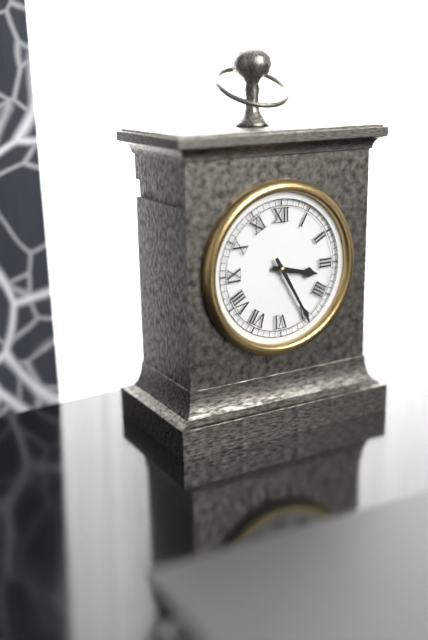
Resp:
**3:25**
